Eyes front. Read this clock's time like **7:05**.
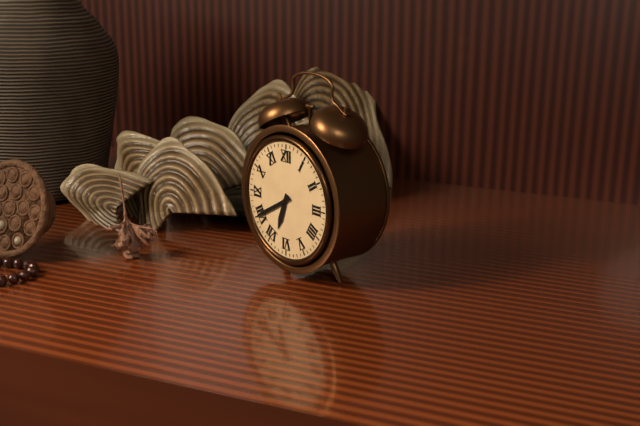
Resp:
**6:40**
